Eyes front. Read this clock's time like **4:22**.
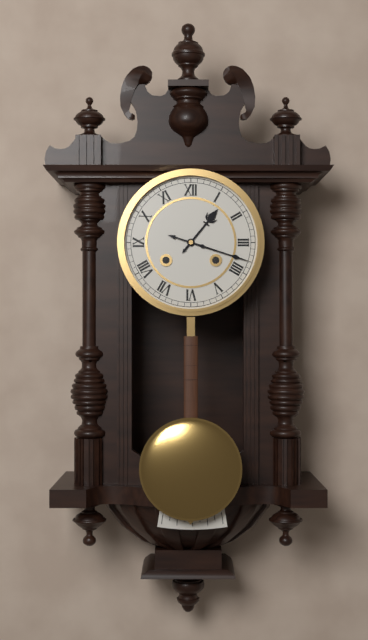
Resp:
**1:18**
